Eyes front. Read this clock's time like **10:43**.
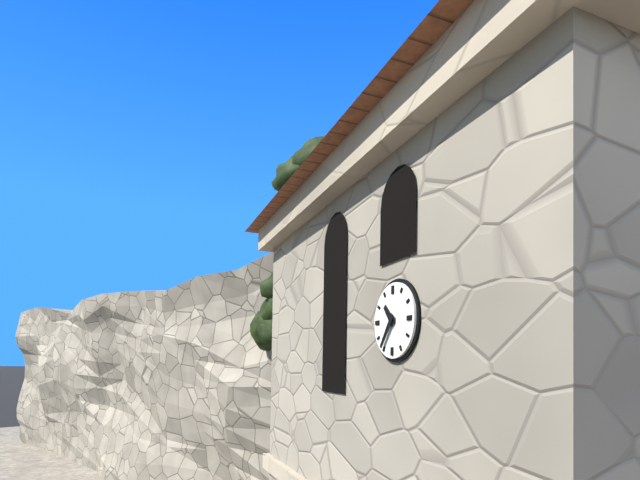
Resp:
**10:36**
